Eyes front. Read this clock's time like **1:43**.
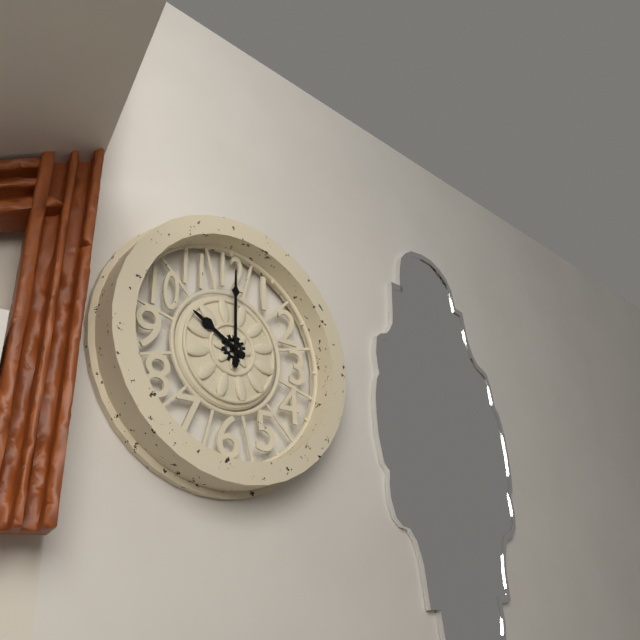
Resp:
**10:00**
